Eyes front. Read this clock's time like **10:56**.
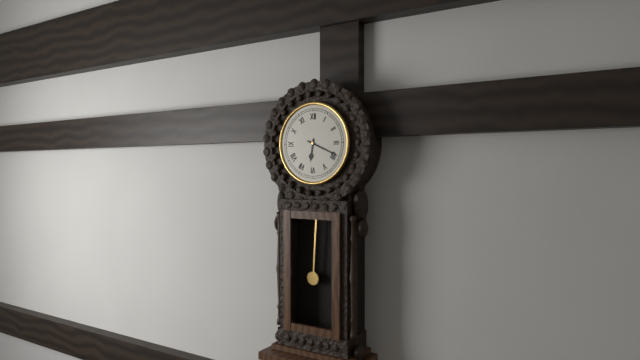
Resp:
**6:19**
